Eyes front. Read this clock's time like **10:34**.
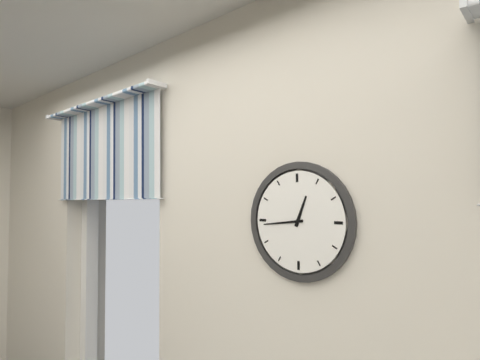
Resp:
**12:44**
